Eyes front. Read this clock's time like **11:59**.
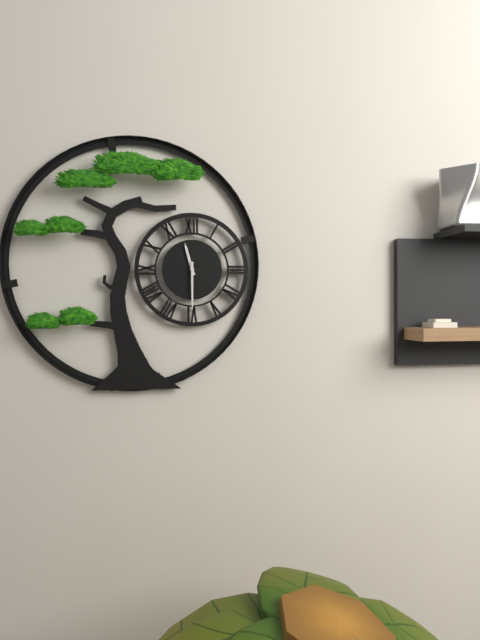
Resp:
**11:30**
